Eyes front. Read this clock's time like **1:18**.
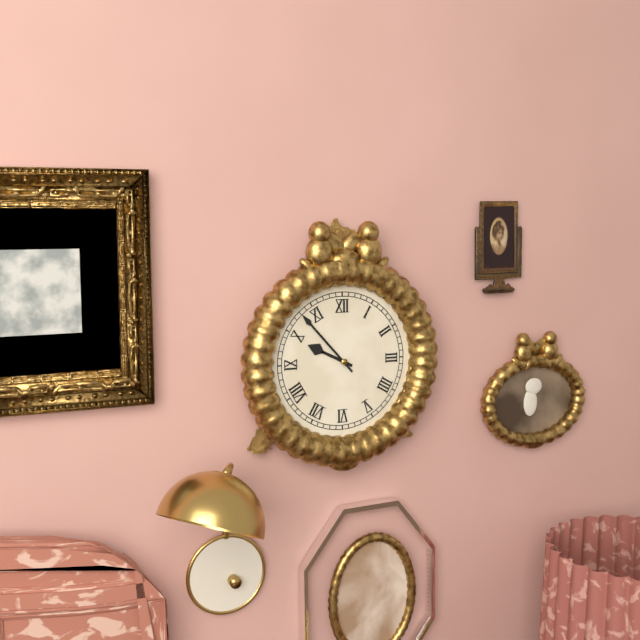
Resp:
**9:53**
